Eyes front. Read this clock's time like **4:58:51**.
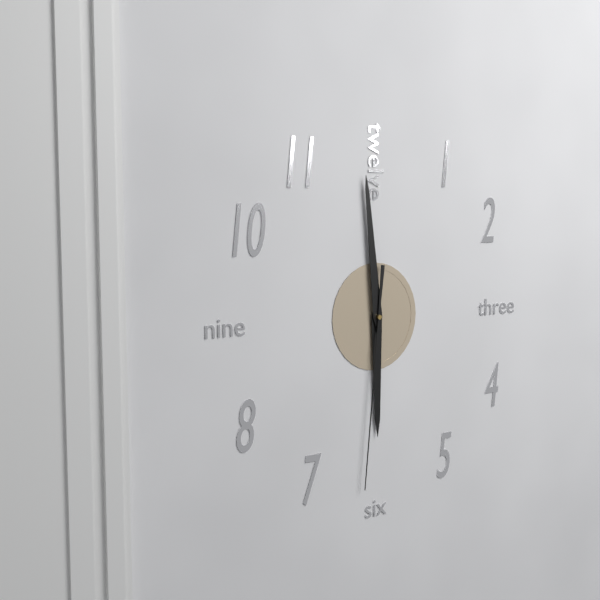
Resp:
**5:59:31**
